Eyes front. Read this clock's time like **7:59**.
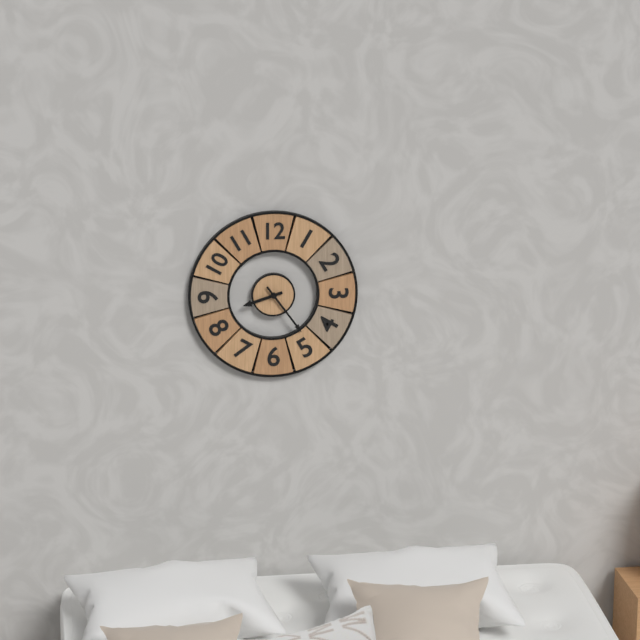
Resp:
**8:24**
